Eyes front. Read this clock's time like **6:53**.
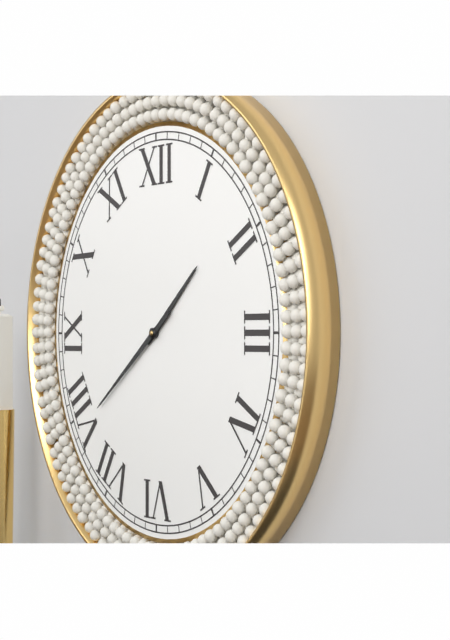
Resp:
**1:39**
